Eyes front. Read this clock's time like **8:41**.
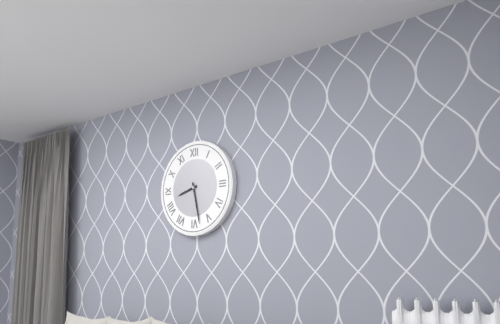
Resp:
**8:28**
